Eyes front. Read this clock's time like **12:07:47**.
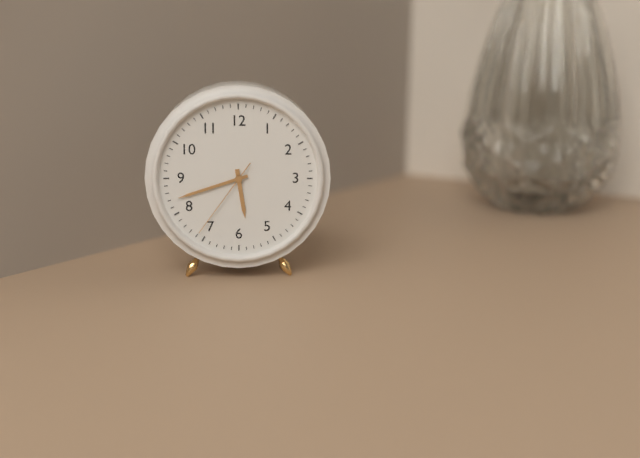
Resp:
**5:42:36**
